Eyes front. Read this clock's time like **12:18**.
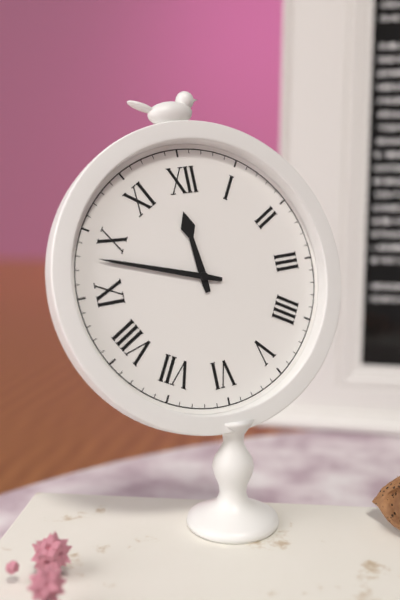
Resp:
**11:48**
